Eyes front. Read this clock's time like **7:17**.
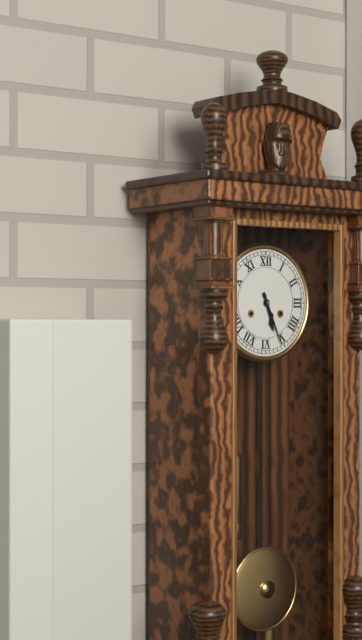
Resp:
**5:26**
